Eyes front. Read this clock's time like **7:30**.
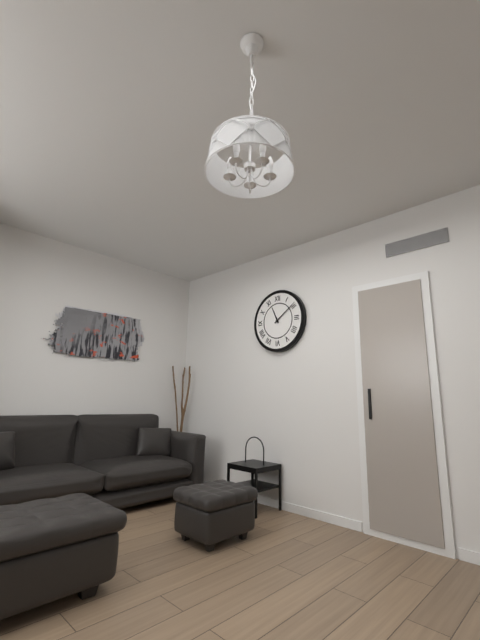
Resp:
**11:09**
